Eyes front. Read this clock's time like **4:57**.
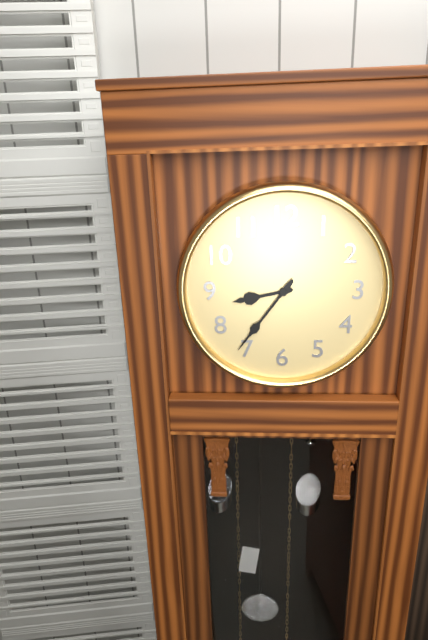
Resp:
**8:36**
